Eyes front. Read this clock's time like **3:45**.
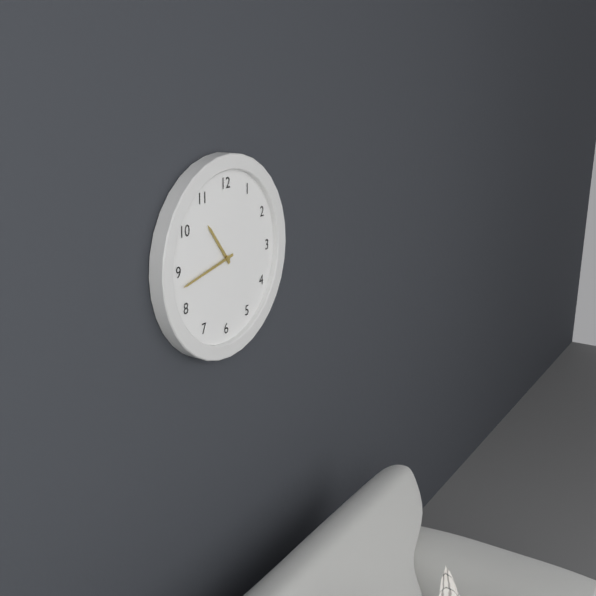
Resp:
**10:43**
